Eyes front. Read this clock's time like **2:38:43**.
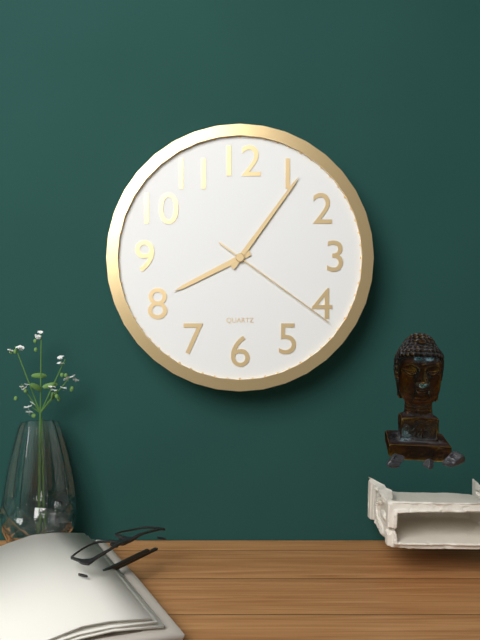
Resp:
**8:06:21**
